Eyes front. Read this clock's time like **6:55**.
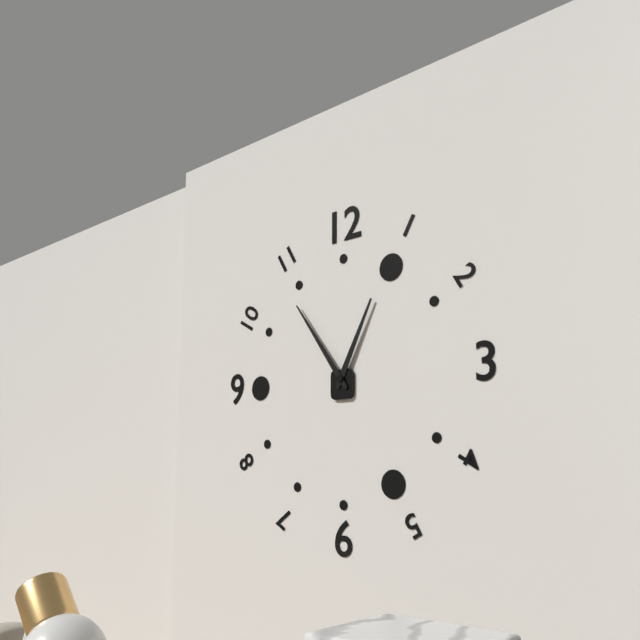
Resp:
**12:54**
